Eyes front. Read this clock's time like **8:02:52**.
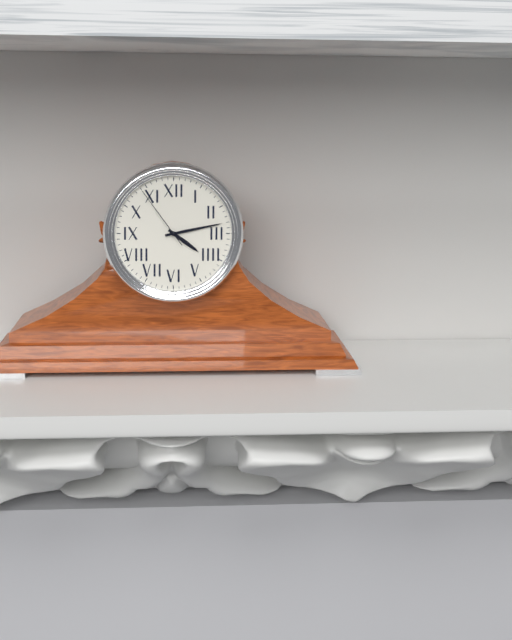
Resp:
**4:13:54**
